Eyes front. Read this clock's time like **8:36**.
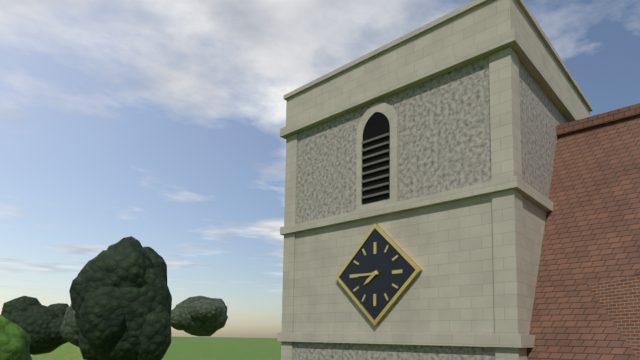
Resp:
**7:45**
